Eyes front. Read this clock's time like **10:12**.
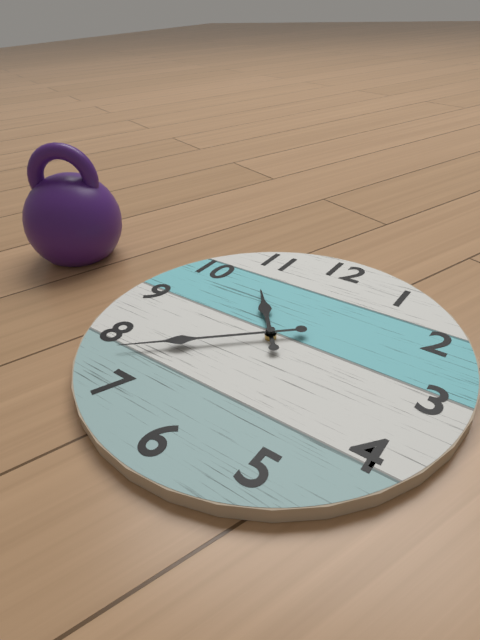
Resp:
**10:38**
